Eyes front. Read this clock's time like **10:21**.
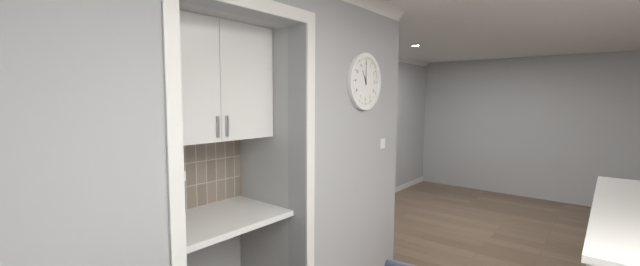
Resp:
**11:00**
